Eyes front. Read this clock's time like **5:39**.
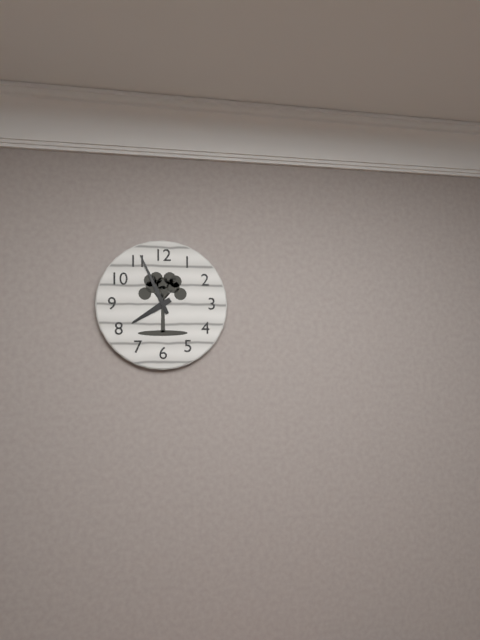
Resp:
**7:56**
